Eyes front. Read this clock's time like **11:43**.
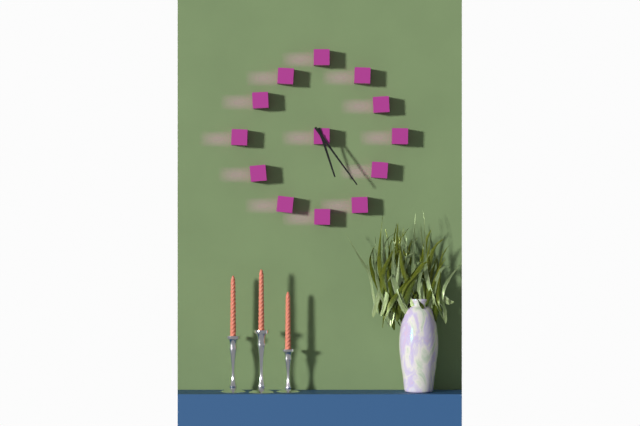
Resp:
**5:24**
